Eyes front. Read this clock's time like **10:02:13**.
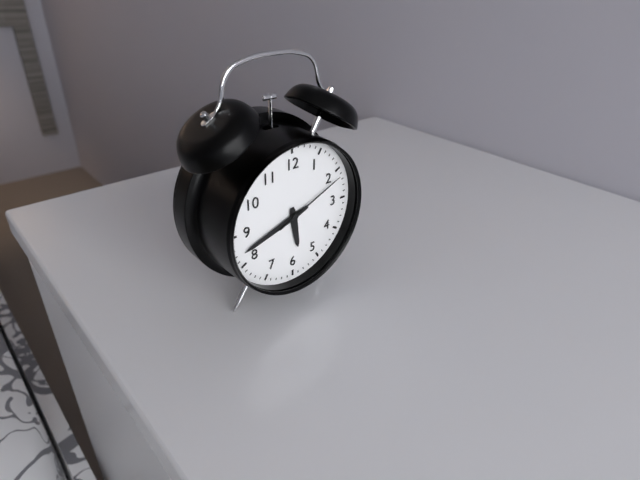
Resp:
**5:42:11**
